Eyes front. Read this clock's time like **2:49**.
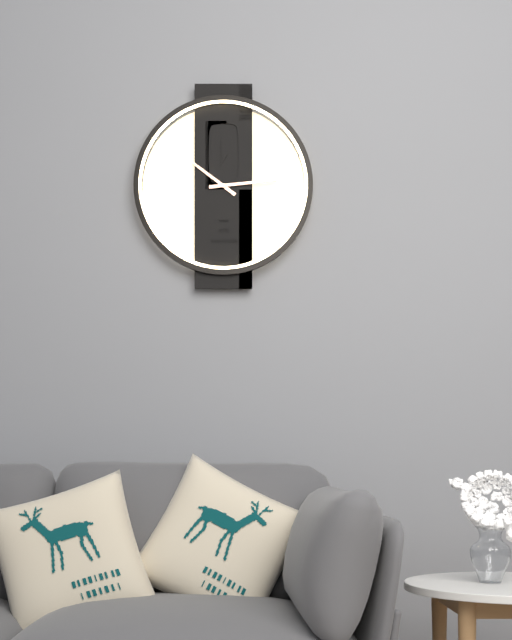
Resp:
**10:14**
